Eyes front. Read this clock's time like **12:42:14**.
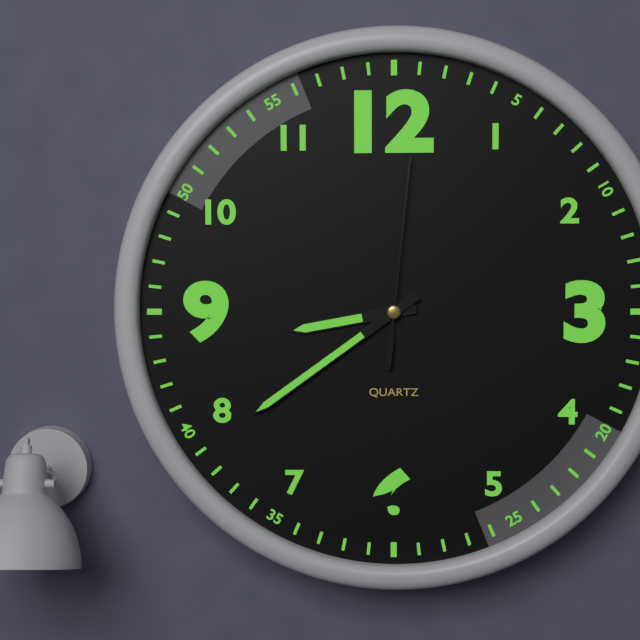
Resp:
**8:39:01**
